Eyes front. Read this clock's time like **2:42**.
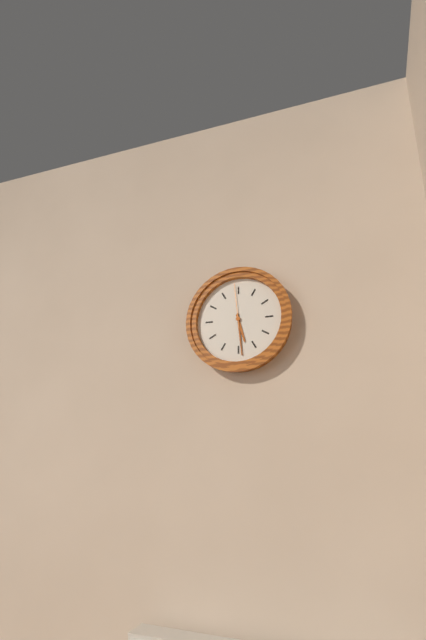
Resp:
**5:29**
